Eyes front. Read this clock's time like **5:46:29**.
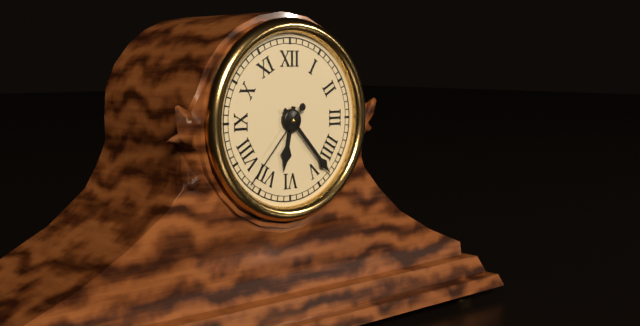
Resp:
**6:23:37**
